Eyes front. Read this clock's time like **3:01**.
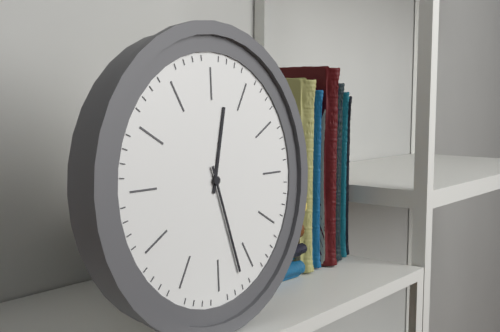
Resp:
**12:27**
